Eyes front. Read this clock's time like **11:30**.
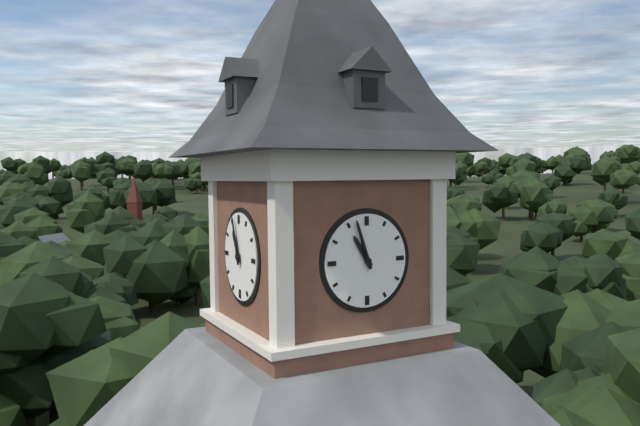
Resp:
**10:57**
